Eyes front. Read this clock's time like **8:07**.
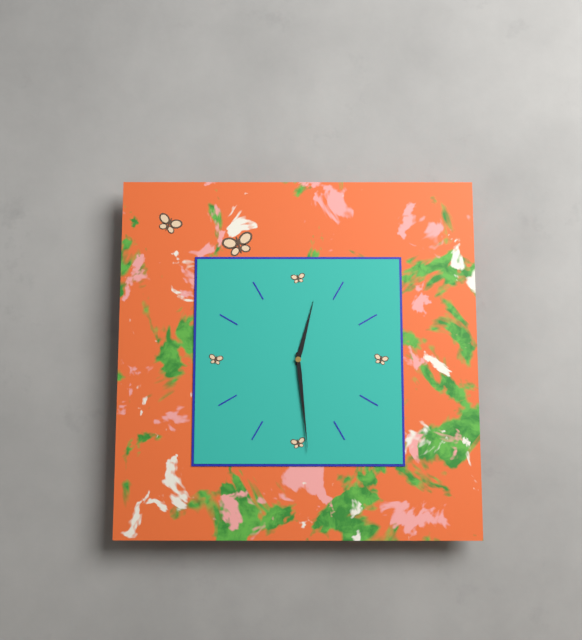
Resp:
**12:29**
